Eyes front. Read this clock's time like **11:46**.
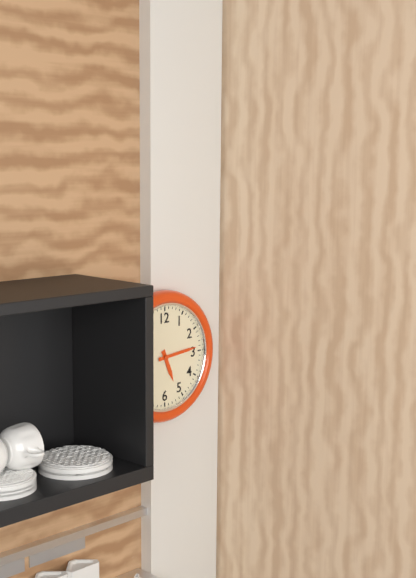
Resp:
**5:14**
